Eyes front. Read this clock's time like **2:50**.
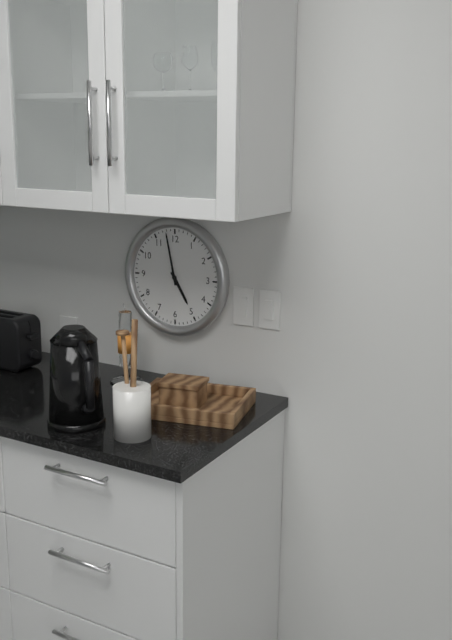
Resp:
**4:58**
